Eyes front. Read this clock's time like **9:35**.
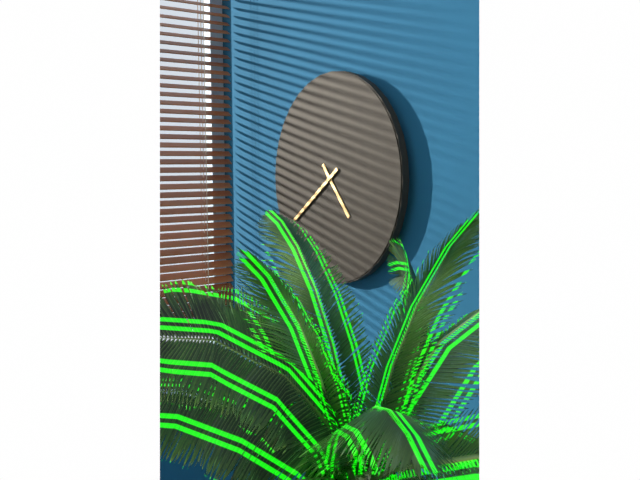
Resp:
**4:39**
